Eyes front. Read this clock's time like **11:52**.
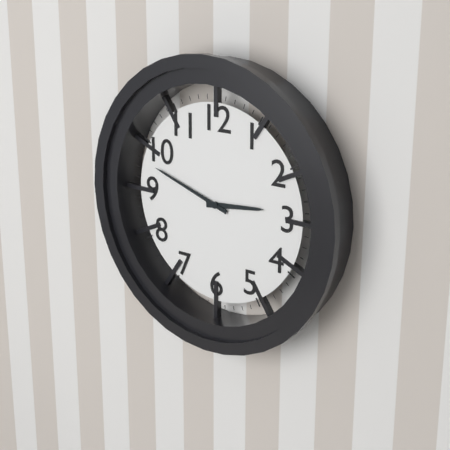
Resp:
**2:48**
